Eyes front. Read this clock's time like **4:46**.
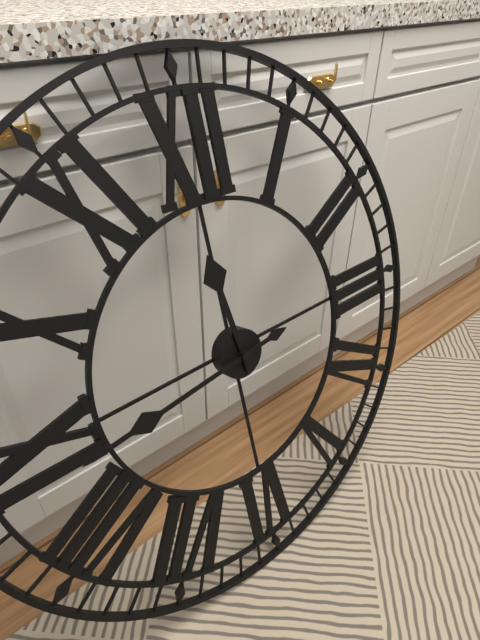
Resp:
**11:44**
